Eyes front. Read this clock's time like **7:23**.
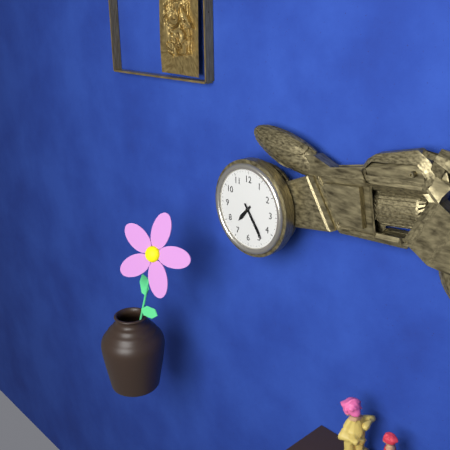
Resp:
**7:24**
